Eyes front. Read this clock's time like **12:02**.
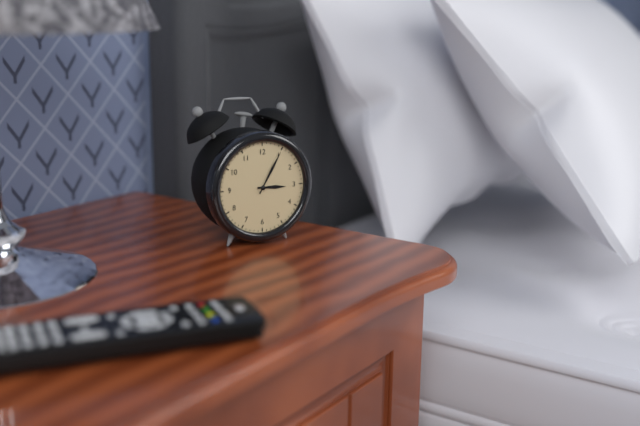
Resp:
**3:05**
